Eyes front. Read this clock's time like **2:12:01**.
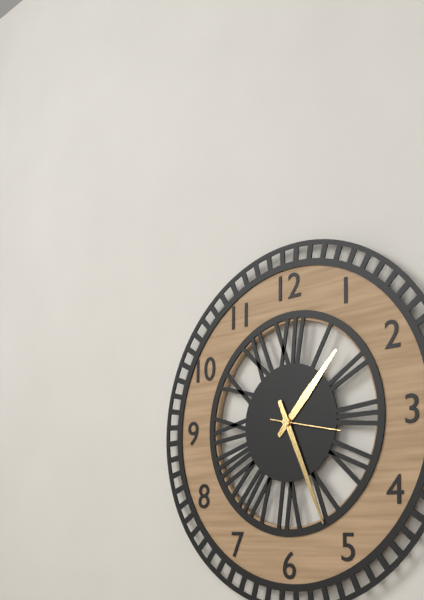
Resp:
**1:26:17**
